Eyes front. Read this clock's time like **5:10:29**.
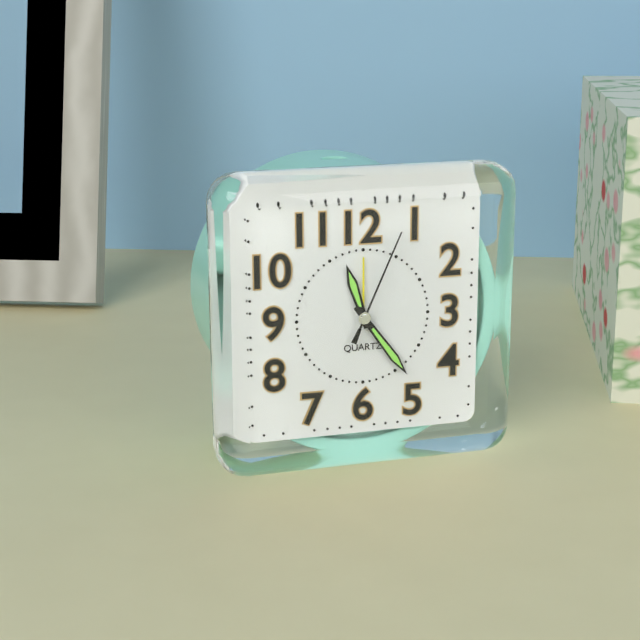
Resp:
**11:24:04**
